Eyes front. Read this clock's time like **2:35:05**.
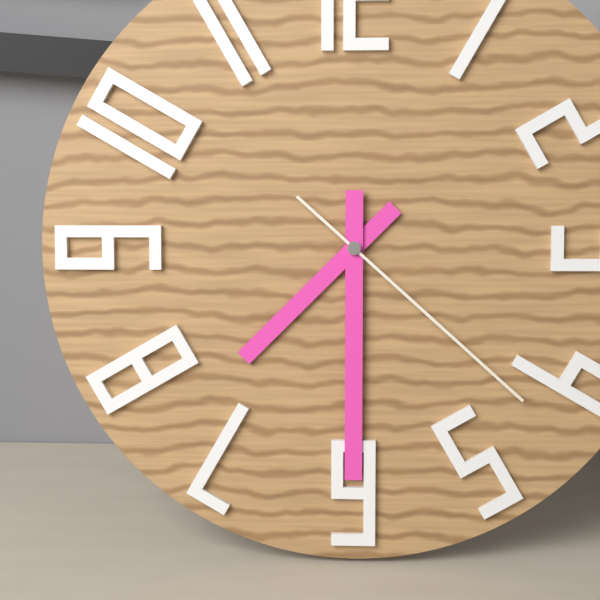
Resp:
**7:30:22**
